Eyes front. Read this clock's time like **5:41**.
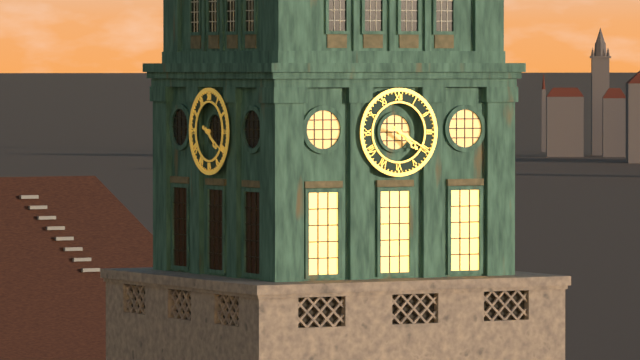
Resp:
**4:20**
